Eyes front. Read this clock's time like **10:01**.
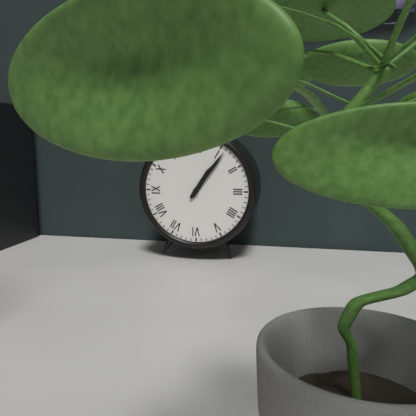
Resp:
**1:06**
